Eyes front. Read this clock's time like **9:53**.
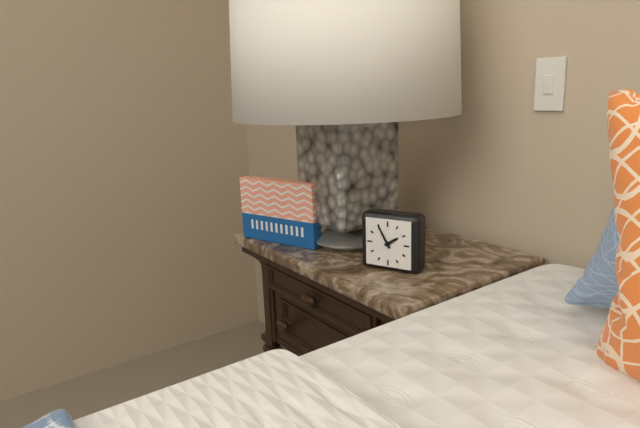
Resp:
**1:55**
